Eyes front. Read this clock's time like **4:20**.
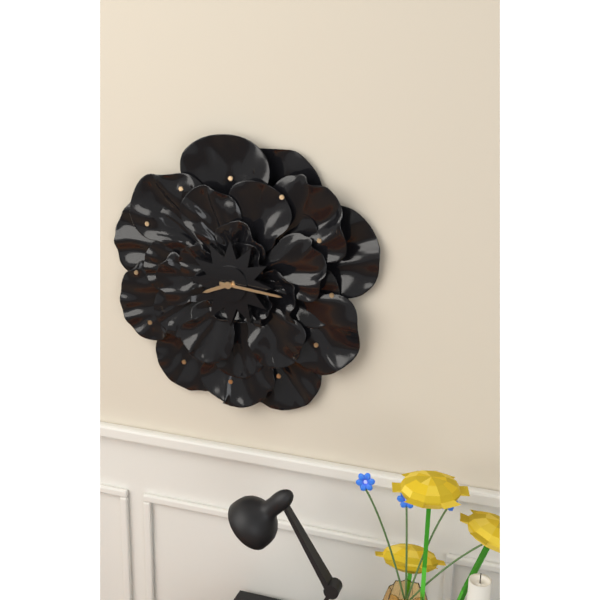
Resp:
**8:16**
